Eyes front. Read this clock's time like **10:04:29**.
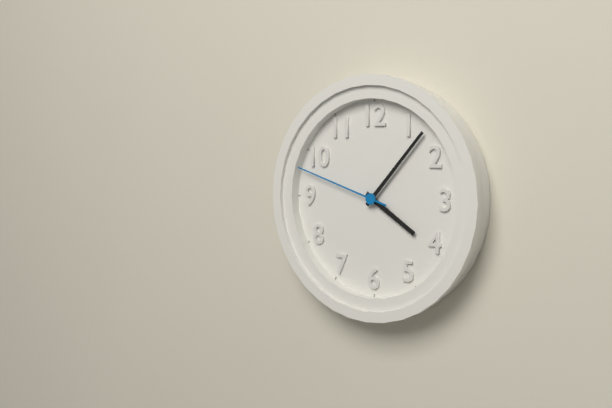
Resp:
**4:07:48**
